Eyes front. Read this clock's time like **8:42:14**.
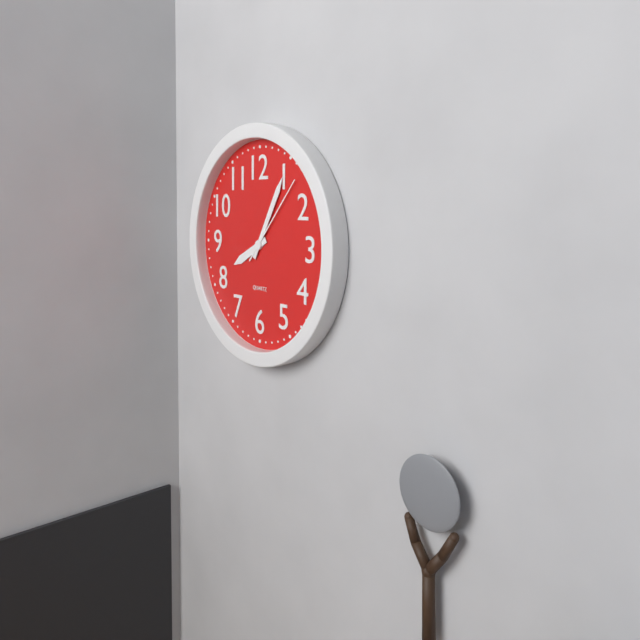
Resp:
**8:05:07**
